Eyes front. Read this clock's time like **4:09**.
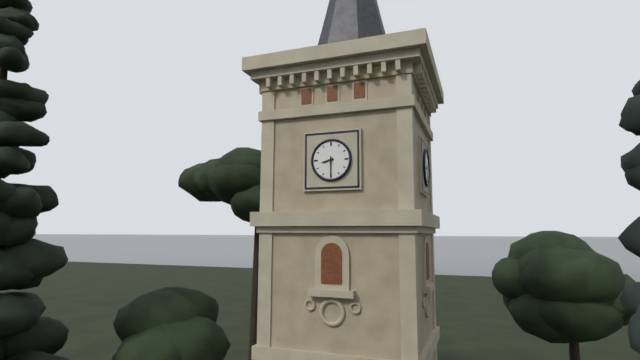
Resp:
**8:30**
